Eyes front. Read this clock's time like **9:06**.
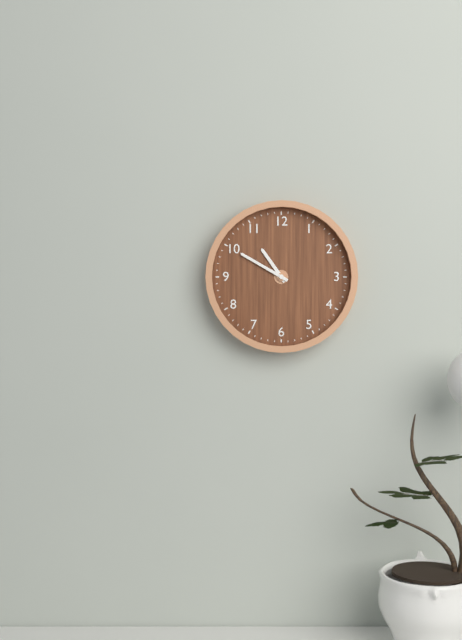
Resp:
**10:50**
